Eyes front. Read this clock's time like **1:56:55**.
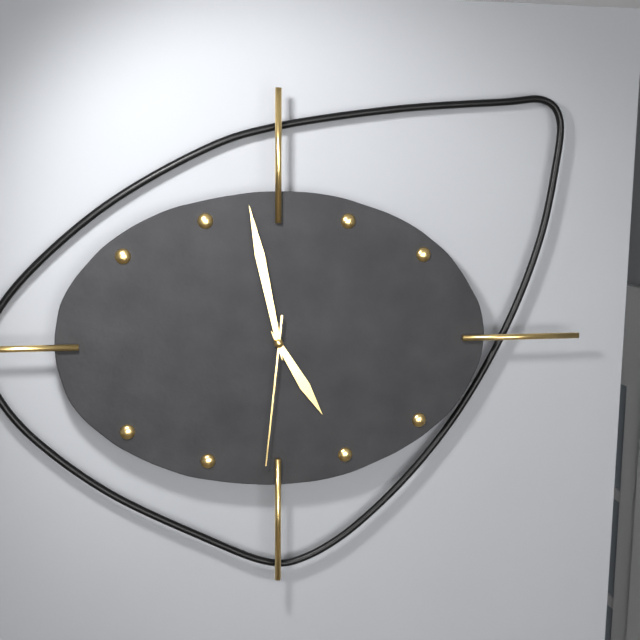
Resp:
**4:58:31**
